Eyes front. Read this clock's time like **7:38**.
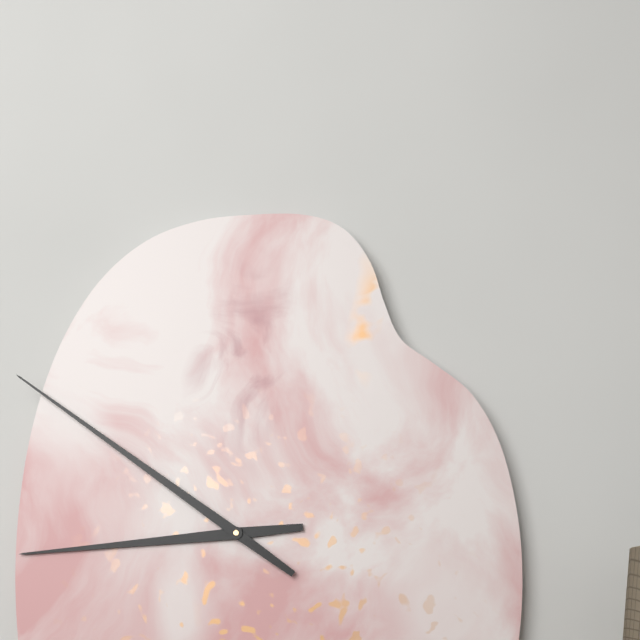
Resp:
**8:51**
